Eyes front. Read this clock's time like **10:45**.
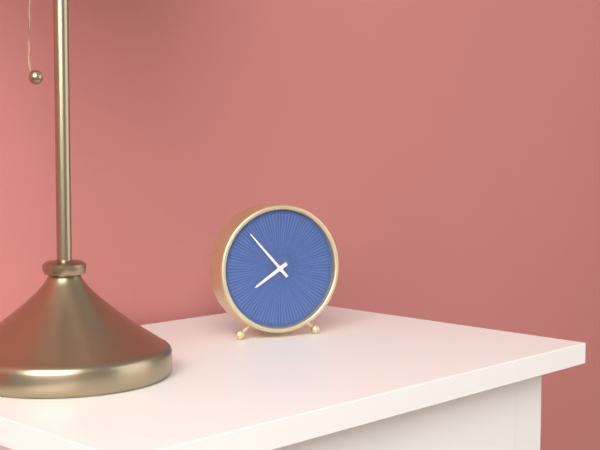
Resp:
**7:53**
